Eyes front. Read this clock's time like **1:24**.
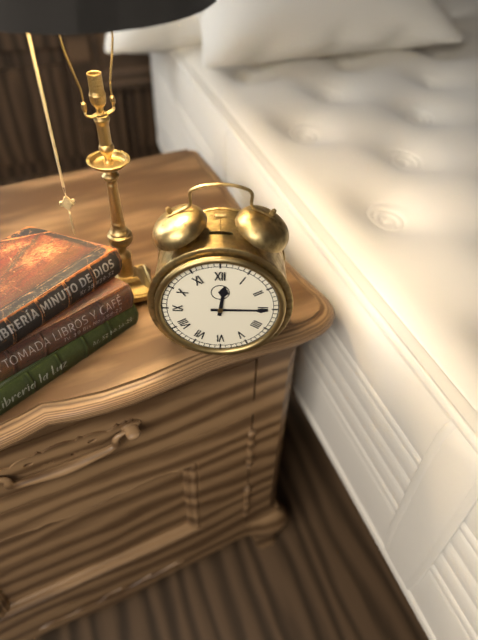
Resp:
**12:15**
